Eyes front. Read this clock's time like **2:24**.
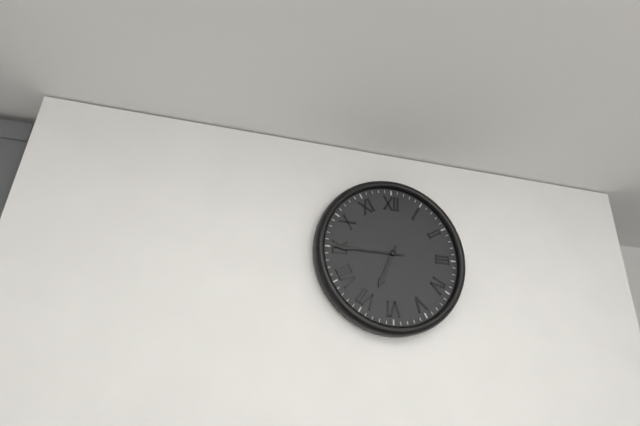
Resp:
**6:45**
